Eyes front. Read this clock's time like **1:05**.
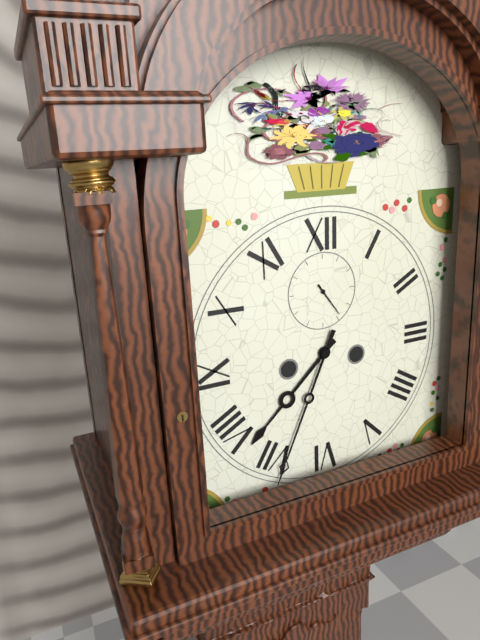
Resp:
**7:34**
